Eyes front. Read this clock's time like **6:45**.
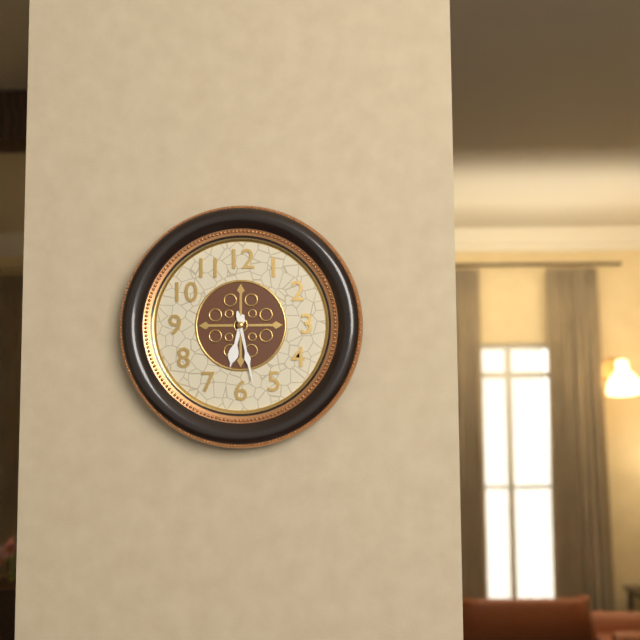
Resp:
**6:28**
